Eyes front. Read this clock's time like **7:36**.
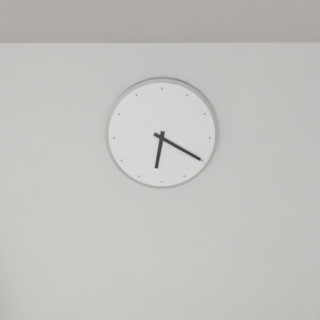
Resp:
**6:20**
